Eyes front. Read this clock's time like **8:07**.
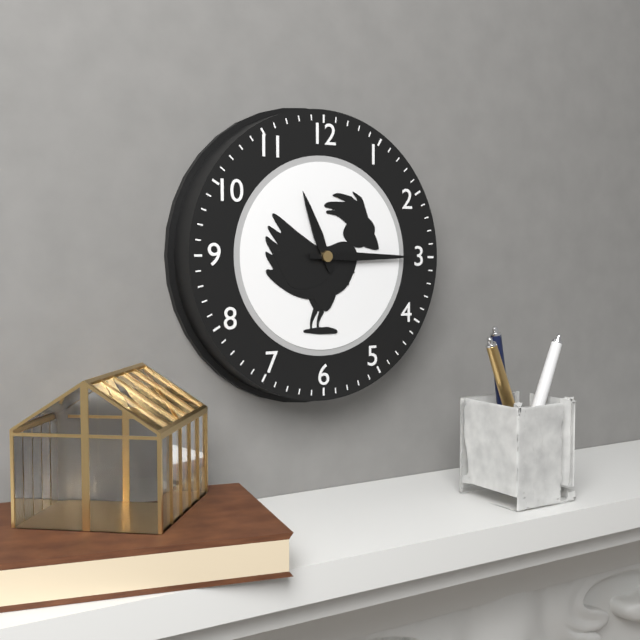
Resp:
**11:15**
